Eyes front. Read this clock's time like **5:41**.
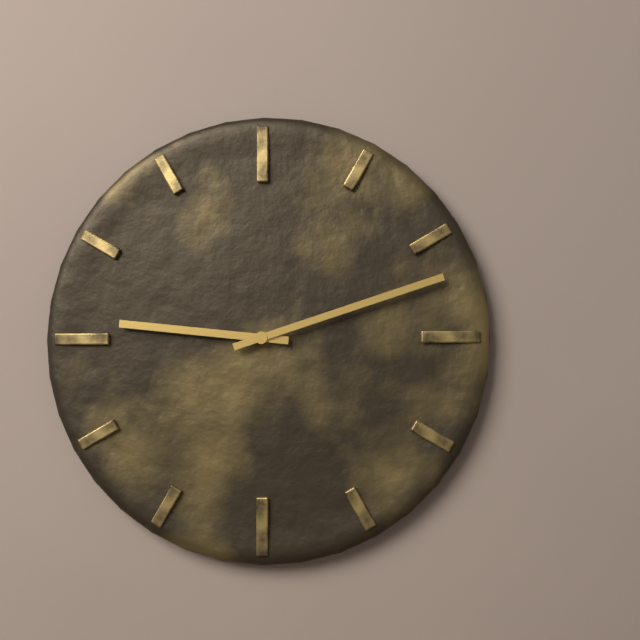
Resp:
**9:12**
